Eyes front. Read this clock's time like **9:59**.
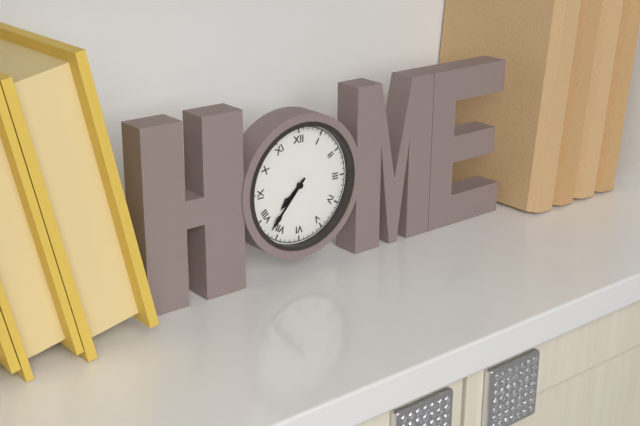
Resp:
**7:37**
